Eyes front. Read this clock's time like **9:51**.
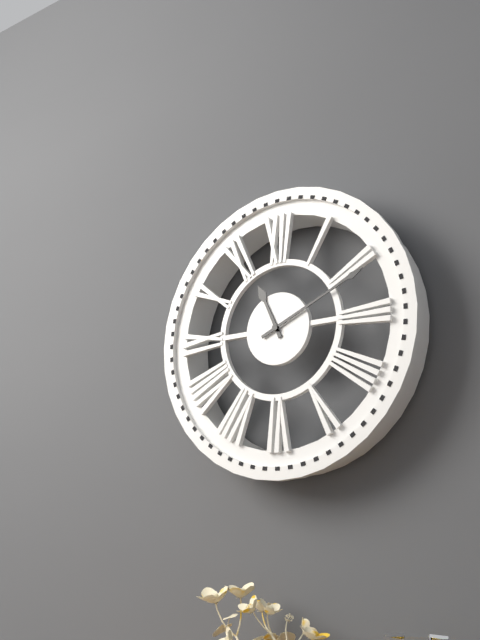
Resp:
**11:11**
